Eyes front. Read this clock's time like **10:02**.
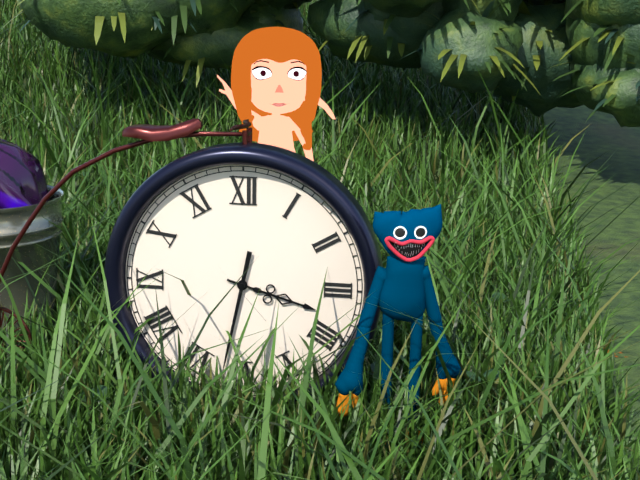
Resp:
**3:32**
